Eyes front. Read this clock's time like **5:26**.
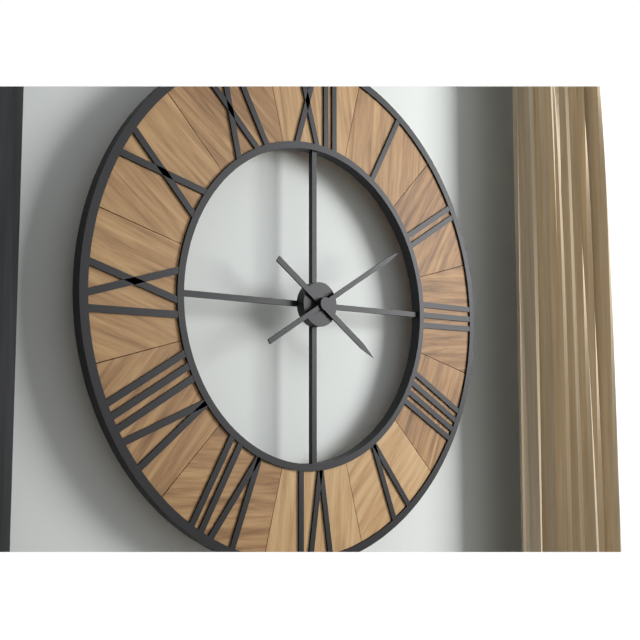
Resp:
**4:10**
